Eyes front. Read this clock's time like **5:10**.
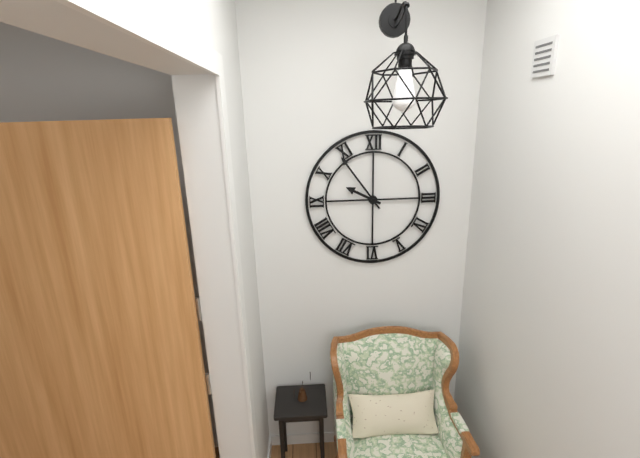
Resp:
**9:54**
